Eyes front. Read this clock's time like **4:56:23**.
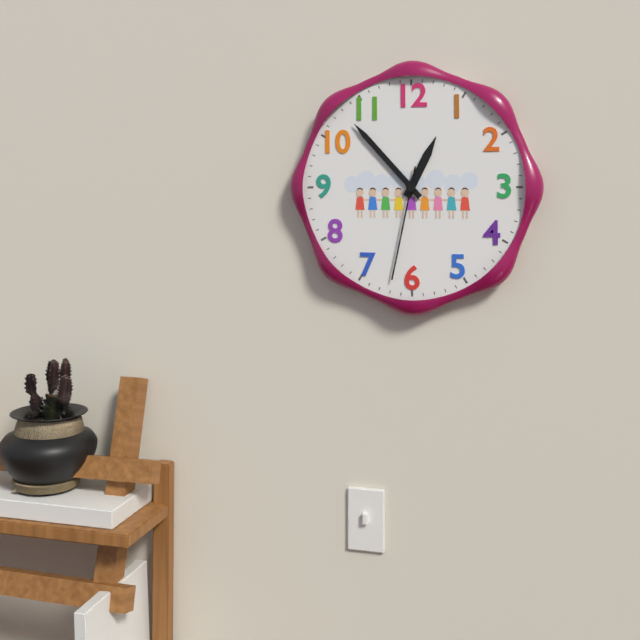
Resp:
**12:53:32**
